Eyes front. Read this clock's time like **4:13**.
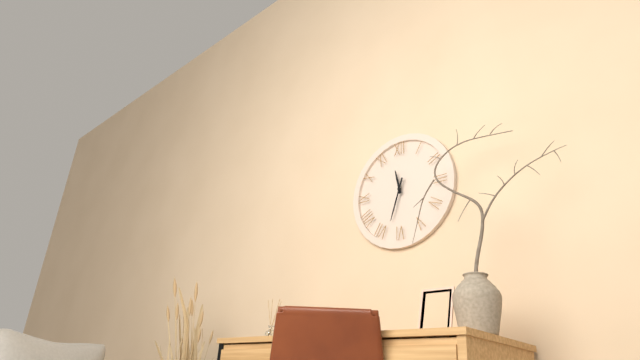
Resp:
**11:33**
